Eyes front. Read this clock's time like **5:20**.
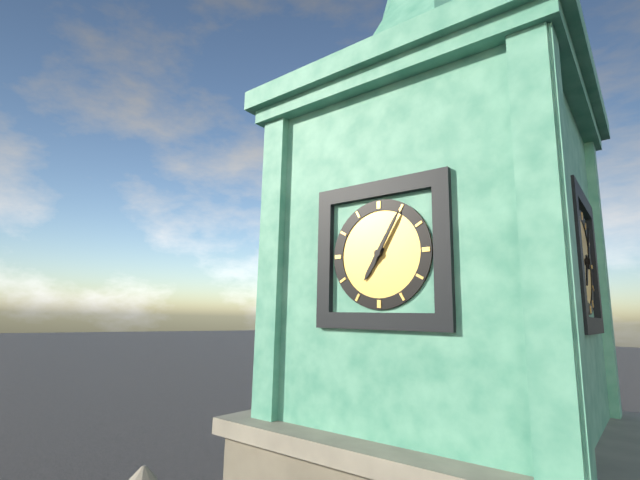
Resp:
**7:05**
